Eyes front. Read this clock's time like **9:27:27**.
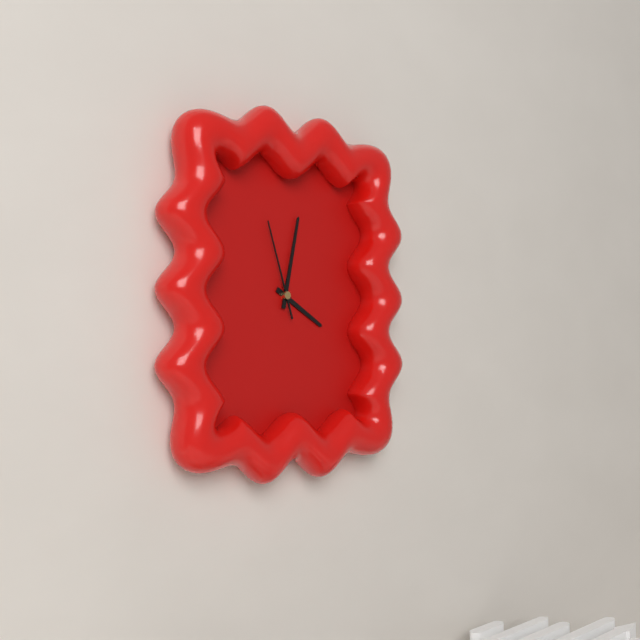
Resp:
**4:02:57**
